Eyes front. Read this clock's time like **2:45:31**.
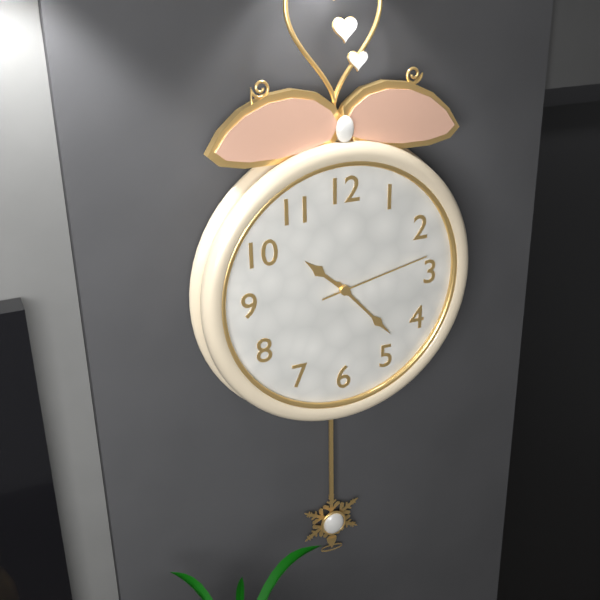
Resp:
**10:23:13**
